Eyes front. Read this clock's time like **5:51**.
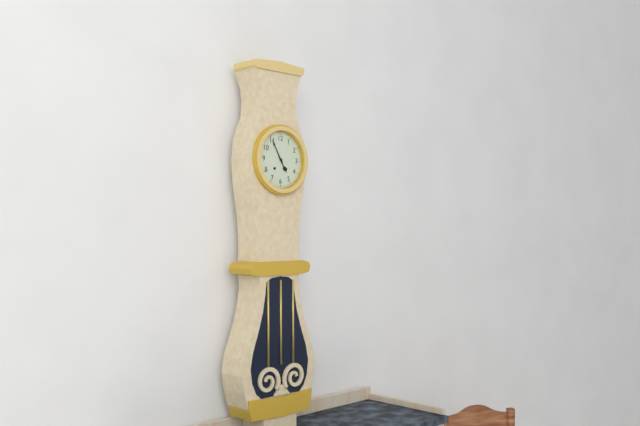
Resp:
**4:55**
